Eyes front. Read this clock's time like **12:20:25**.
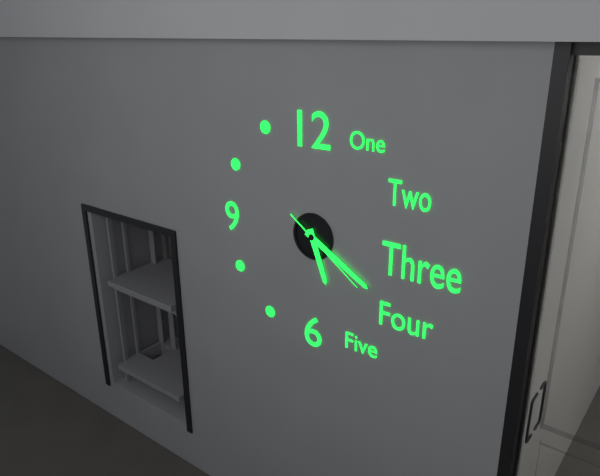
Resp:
**5:20:21**
